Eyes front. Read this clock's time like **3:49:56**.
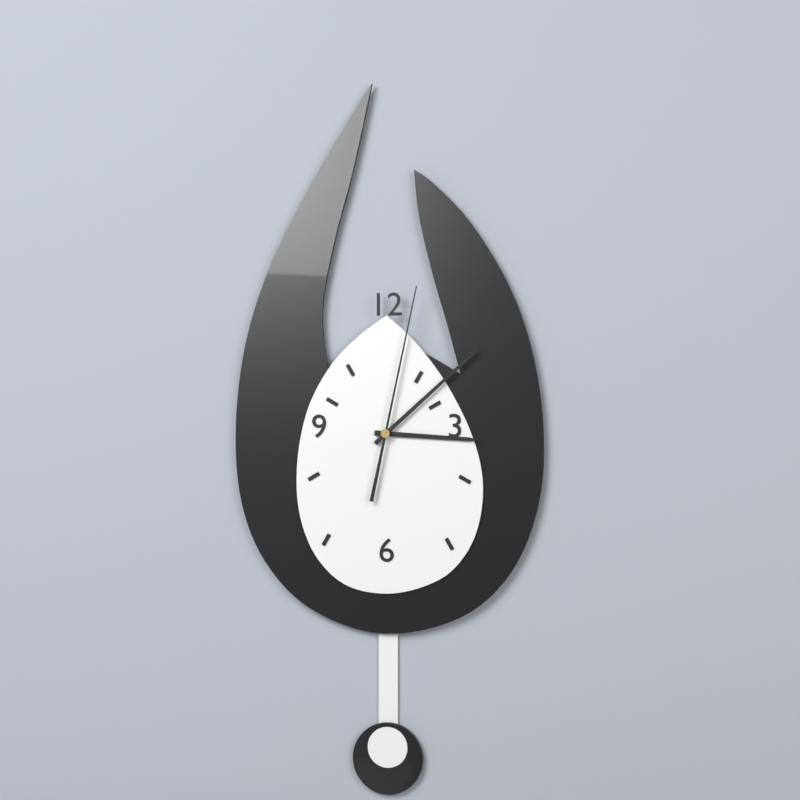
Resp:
**3:08:02**
